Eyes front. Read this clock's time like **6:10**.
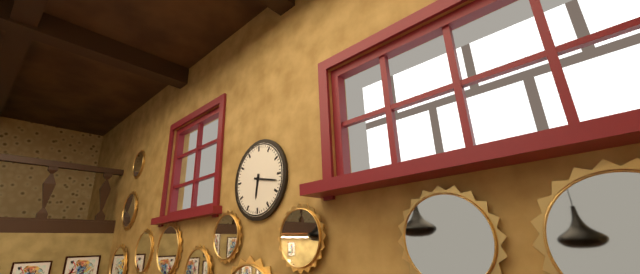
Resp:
**6:17**
